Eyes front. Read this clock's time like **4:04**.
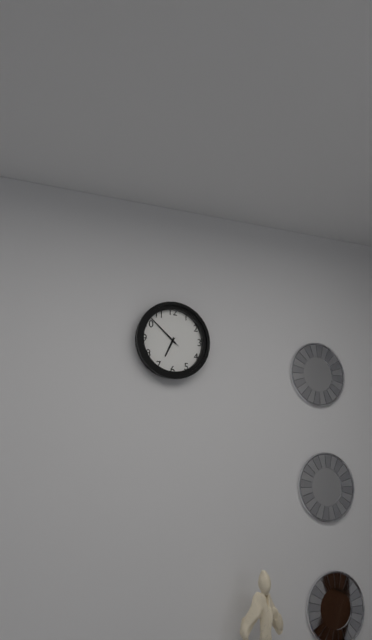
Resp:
**6:52**
